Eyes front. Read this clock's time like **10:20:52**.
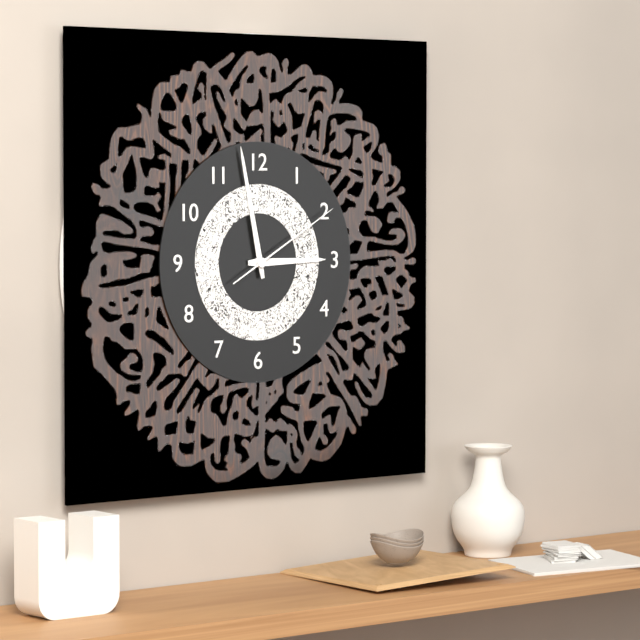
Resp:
**2:58:10**
